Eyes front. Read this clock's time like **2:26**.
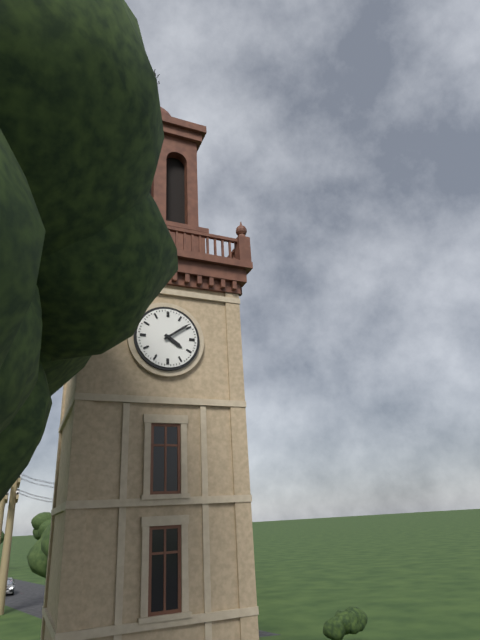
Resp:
**4:09**
